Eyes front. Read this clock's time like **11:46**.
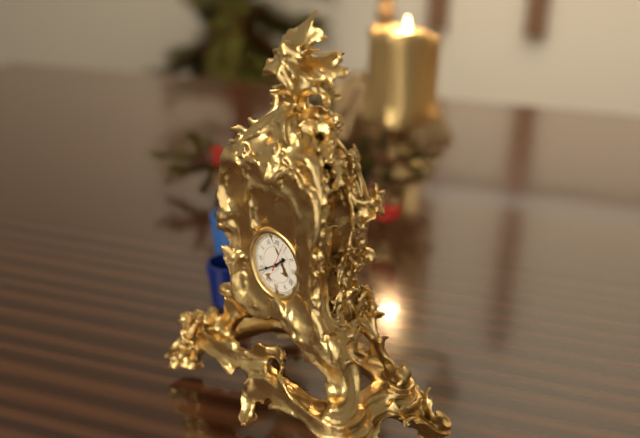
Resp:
**1:40**
